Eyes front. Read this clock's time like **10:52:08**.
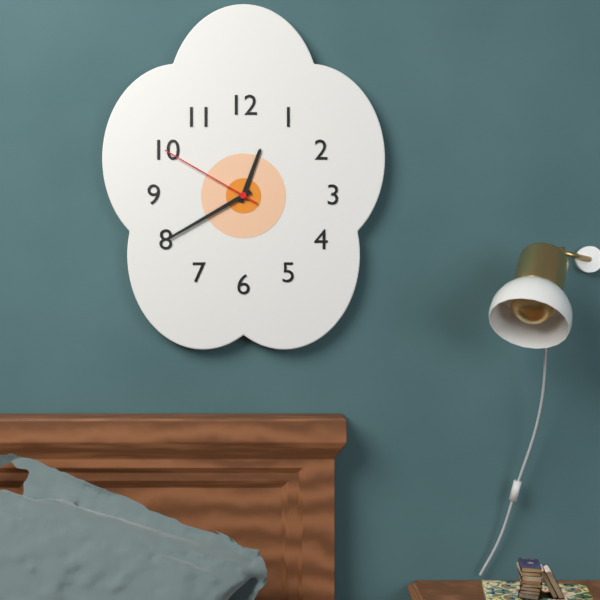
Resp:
**12:40:50**
